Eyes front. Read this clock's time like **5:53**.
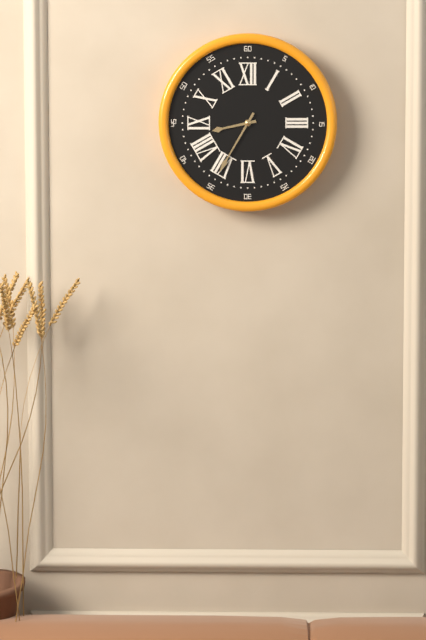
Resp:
**8:35**
